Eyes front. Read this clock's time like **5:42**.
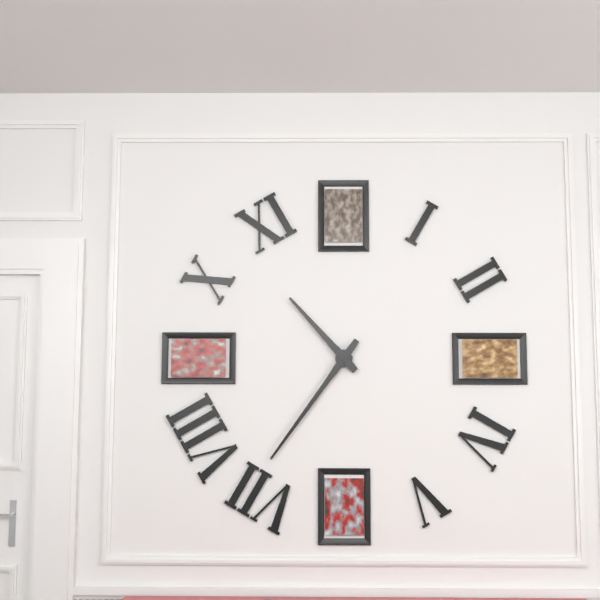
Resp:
**10:36**
